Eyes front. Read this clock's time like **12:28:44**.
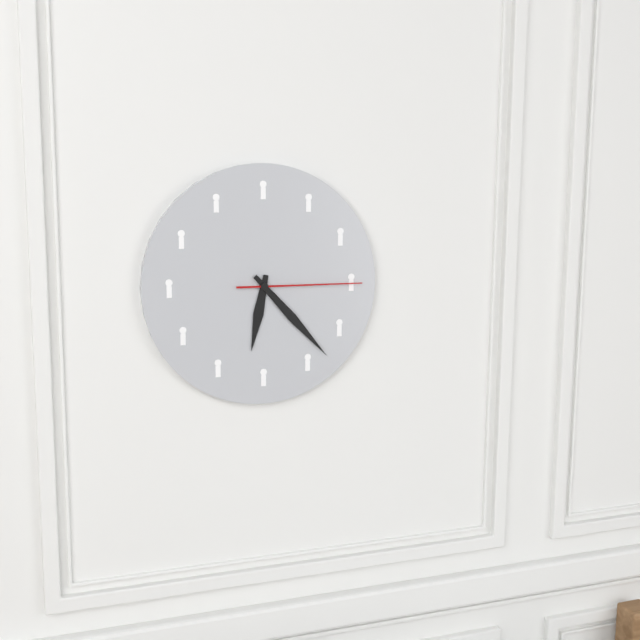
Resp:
**6:23:15**
